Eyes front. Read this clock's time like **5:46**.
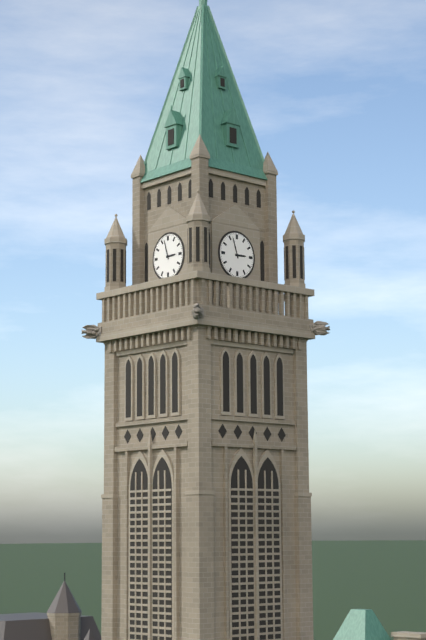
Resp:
**2:57**
